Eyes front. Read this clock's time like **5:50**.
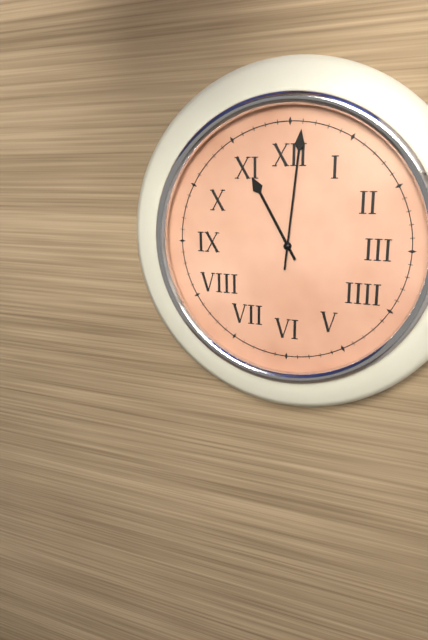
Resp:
**11:01**
